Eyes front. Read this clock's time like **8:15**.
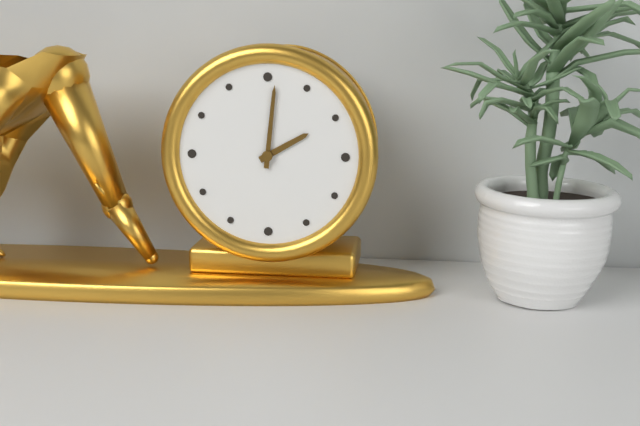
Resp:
**2:01**
